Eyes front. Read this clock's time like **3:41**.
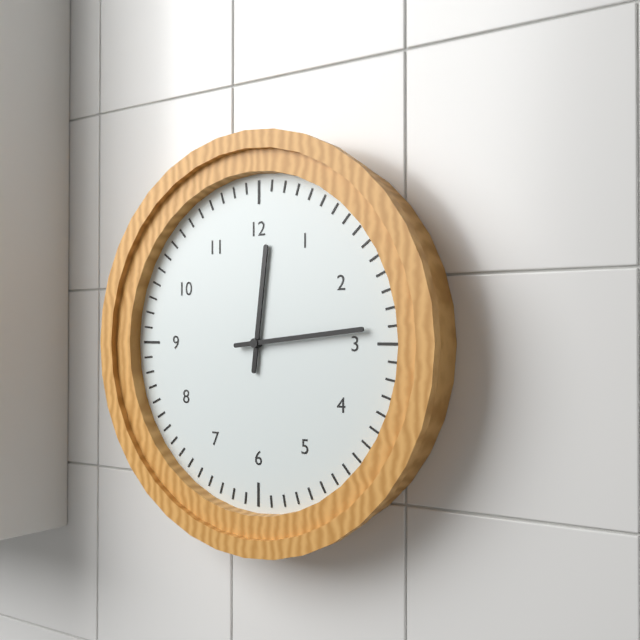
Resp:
**12:14**
